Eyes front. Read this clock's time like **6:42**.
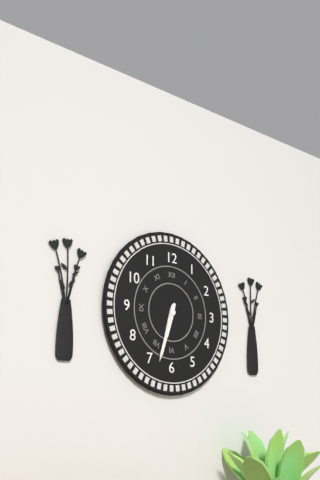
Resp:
**6:33**
